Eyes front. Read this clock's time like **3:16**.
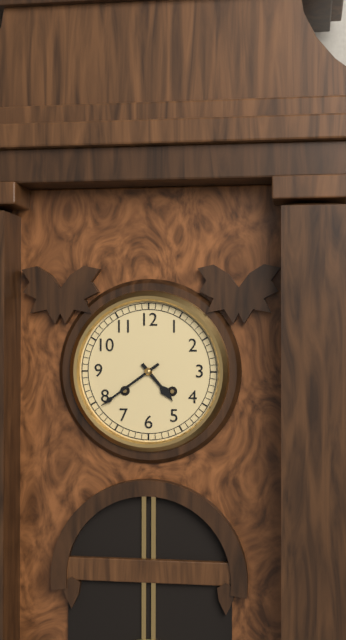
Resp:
**4:39**
